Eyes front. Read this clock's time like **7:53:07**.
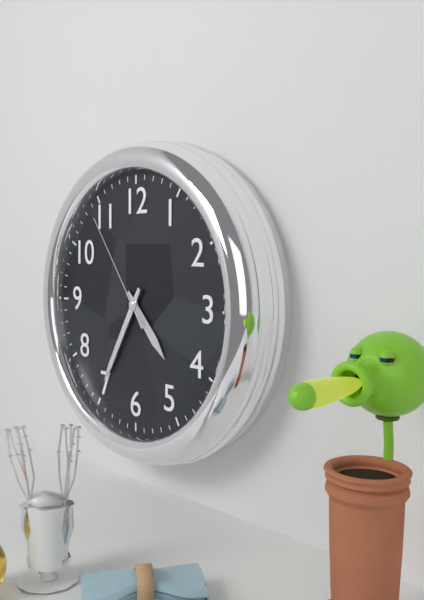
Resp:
**4:35:54**
